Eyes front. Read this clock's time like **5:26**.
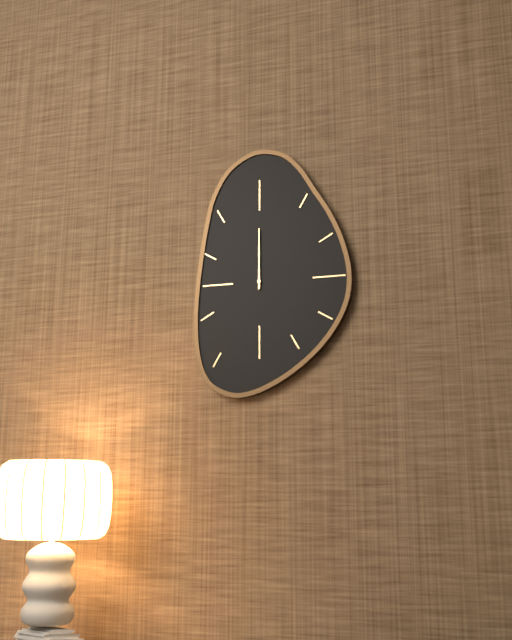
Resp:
**12:00**
